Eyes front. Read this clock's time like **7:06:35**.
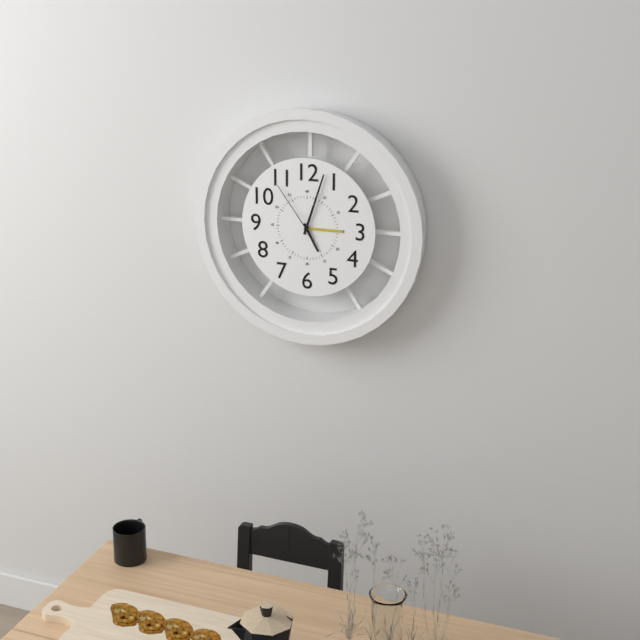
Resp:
**5:03:54**
